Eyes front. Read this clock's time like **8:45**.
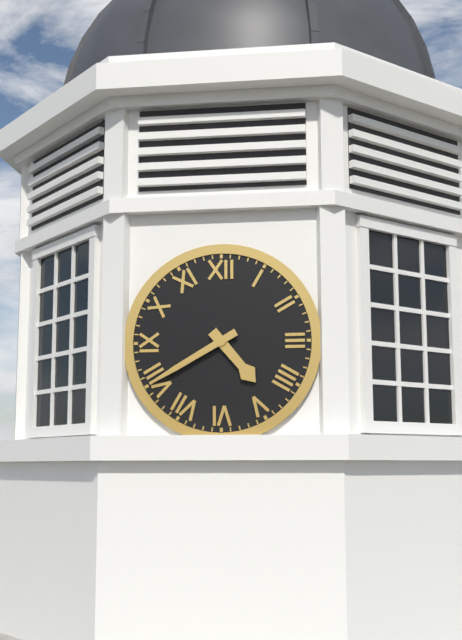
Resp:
**4:40**
